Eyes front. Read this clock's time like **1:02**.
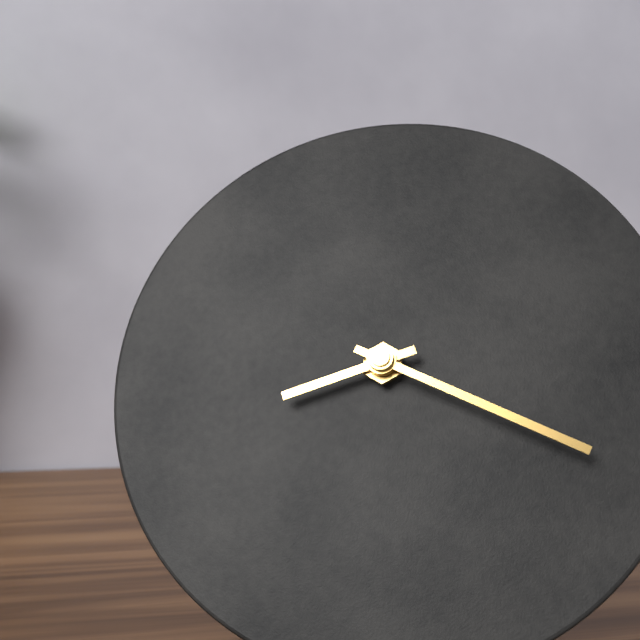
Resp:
**8:19**
